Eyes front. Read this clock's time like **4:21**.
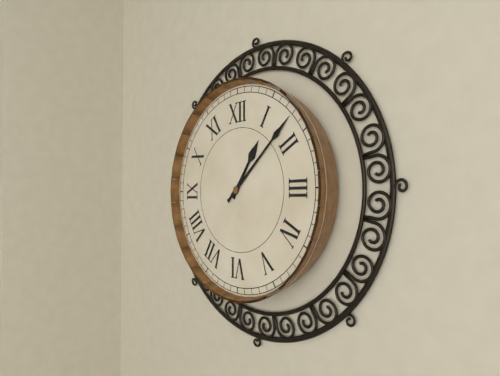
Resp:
**1:08**
